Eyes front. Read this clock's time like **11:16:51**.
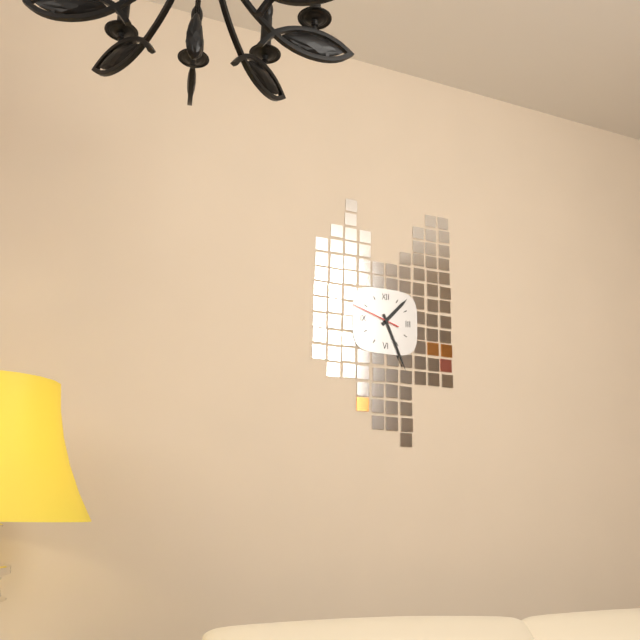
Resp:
**1:26:48**
